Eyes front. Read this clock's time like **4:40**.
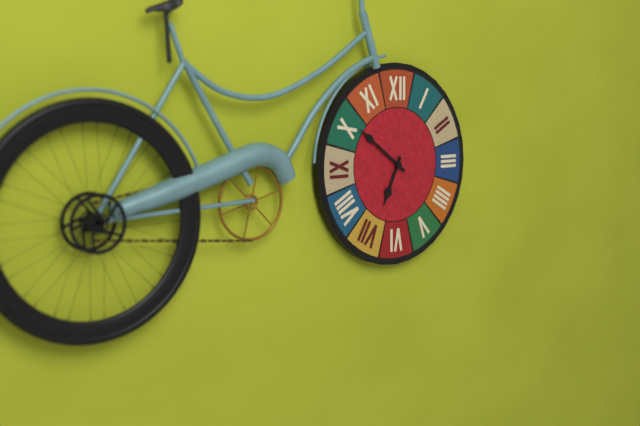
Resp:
**6:51**
